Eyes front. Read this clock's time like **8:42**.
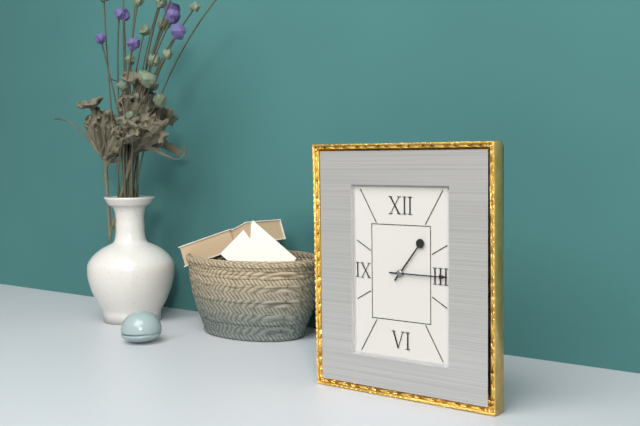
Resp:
**1:15**
